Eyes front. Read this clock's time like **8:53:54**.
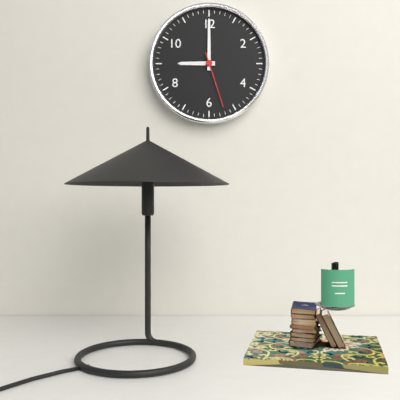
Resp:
**9:00:27**
